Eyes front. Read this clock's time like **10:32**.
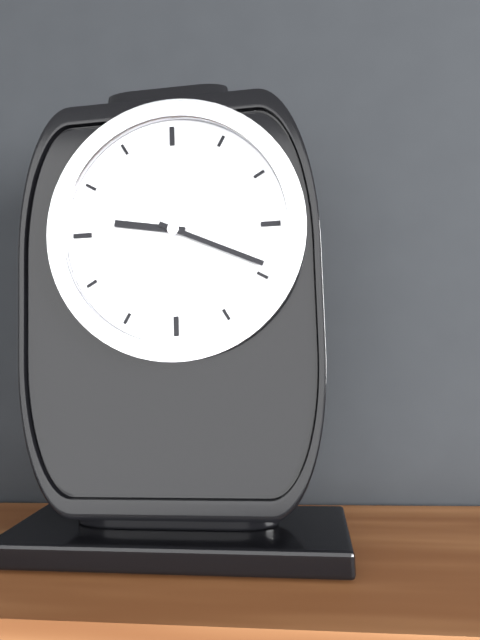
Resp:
**9:19**
